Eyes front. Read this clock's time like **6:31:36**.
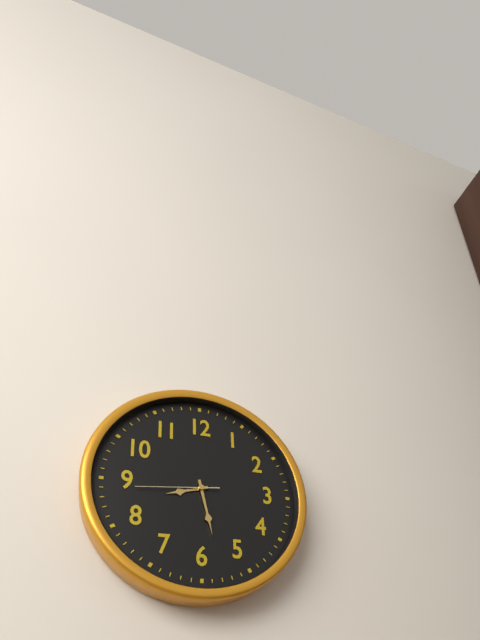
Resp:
**8:28:44**
